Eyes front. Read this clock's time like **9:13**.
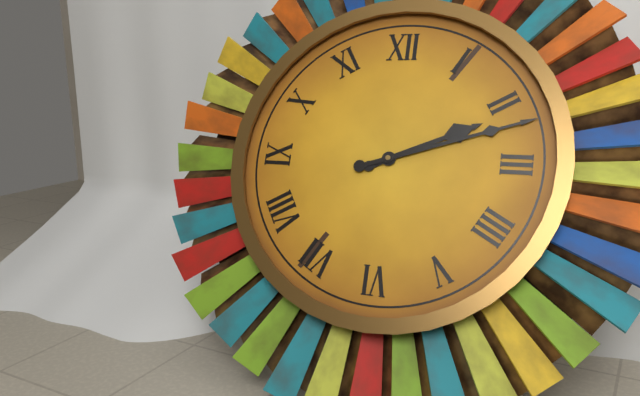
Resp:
**2:12**
